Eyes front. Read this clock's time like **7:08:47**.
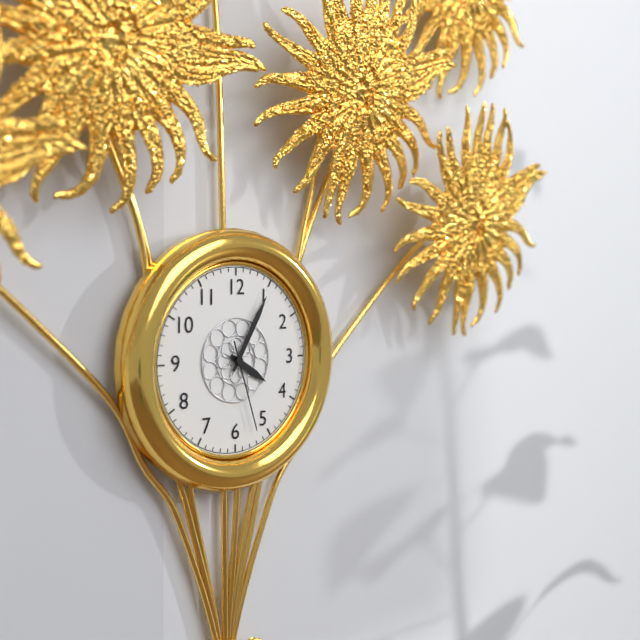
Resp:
**4:05:27**
